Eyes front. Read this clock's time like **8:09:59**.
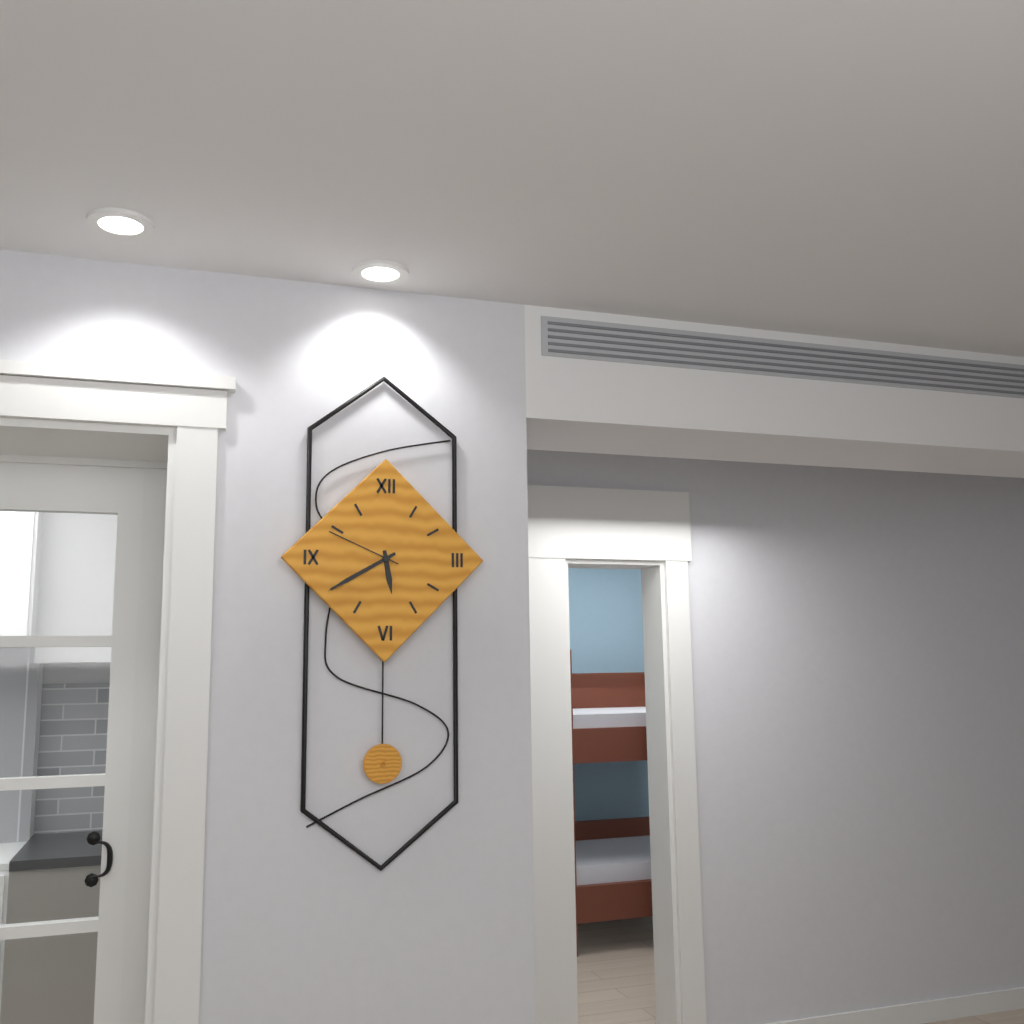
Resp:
**5:40:49**
